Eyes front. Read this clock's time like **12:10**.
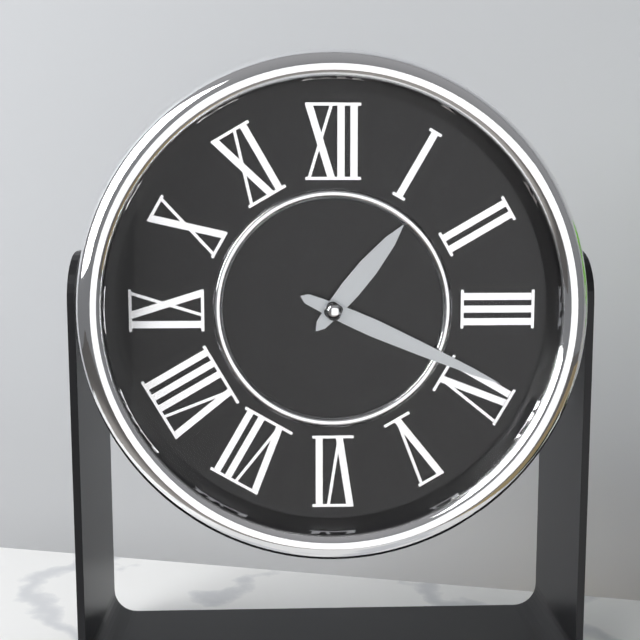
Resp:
**1:19**
